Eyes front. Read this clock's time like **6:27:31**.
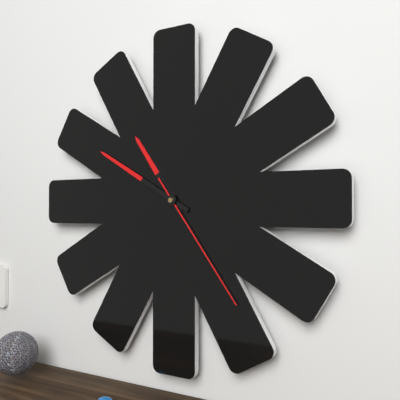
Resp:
**10:50:24**
